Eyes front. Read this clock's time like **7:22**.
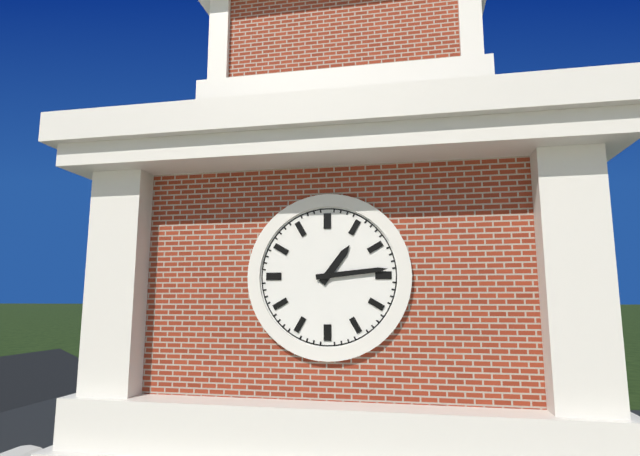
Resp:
**1:14**
